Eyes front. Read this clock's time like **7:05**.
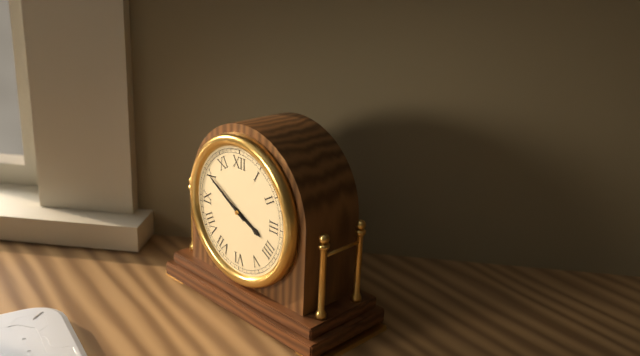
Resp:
**3:50**
